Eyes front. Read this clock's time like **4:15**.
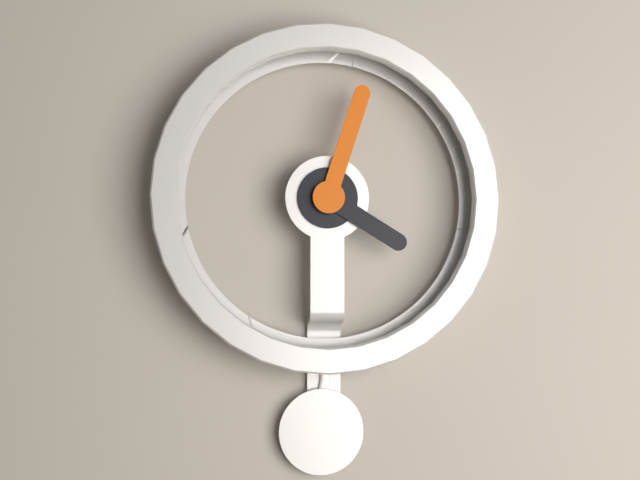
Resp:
**4:03**
